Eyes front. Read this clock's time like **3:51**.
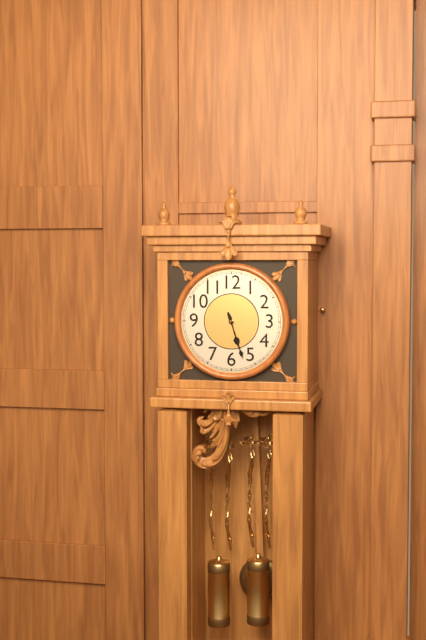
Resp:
**5:27**
